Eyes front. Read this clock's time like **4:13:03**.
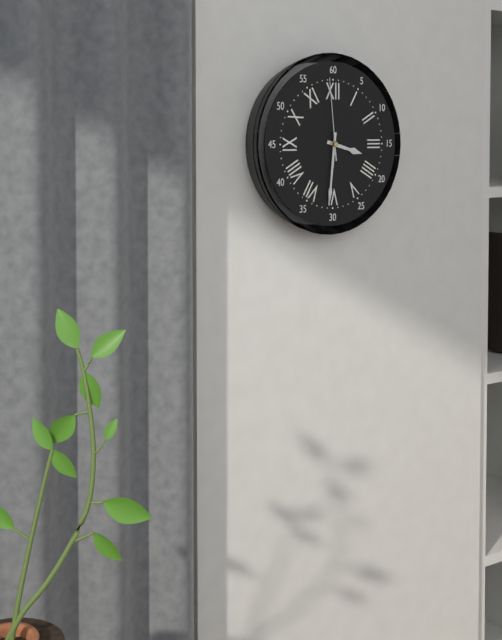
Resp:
**3:31:59**
